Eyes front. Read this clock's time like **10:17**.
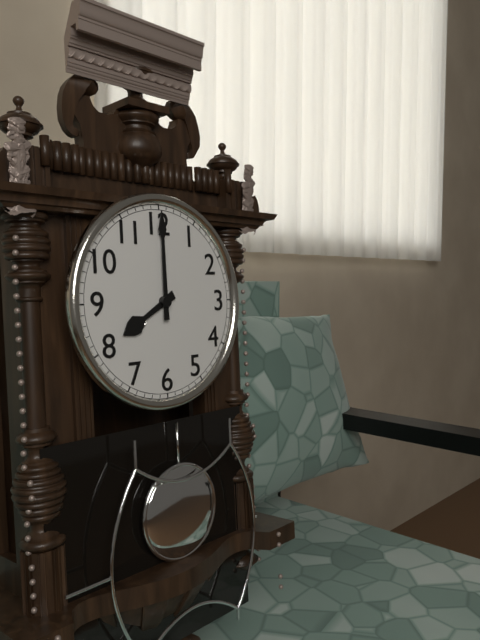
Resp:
**8:00**
